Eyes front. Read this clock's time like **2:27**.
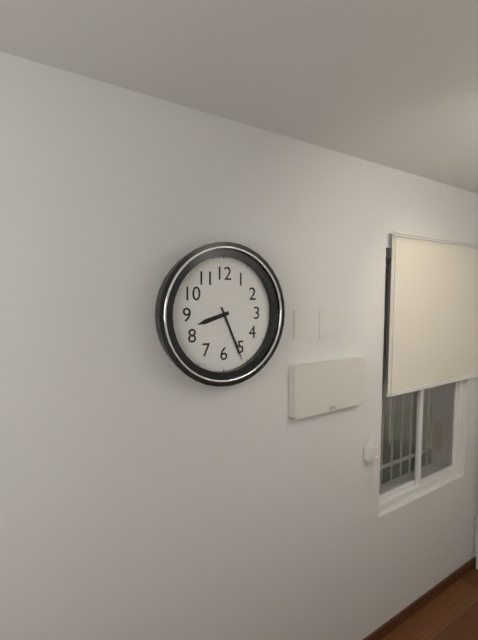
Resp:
**8:26**
